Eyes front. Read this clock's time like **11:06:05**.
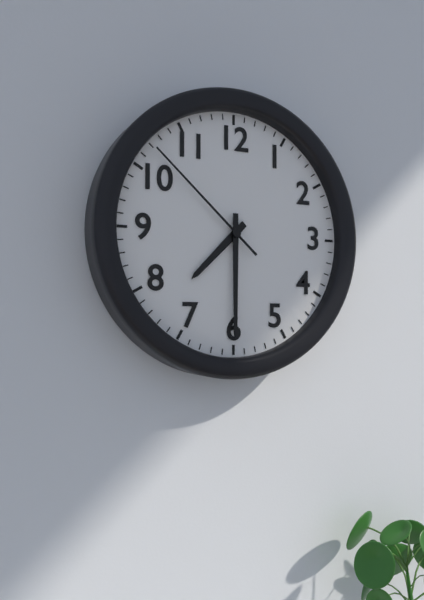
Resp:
**7:30:52**
